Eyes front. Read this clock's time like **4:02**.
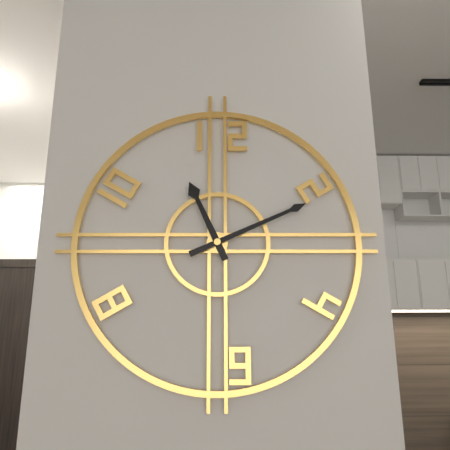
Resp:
**11:11**
